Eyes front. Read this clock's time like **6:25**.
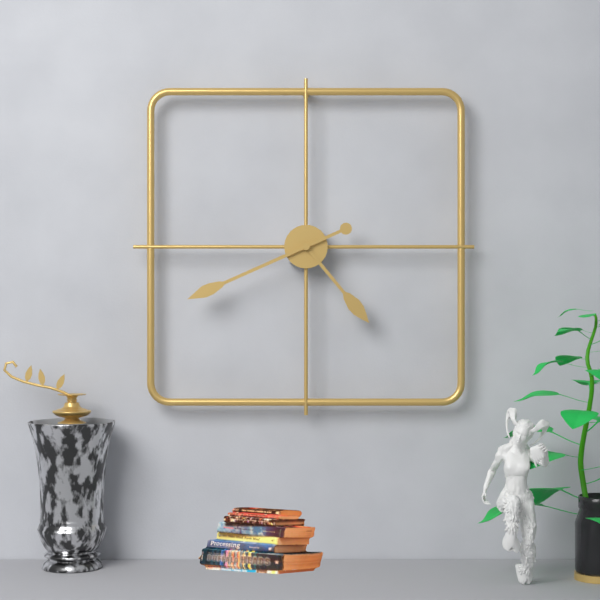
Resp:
**4:41**
